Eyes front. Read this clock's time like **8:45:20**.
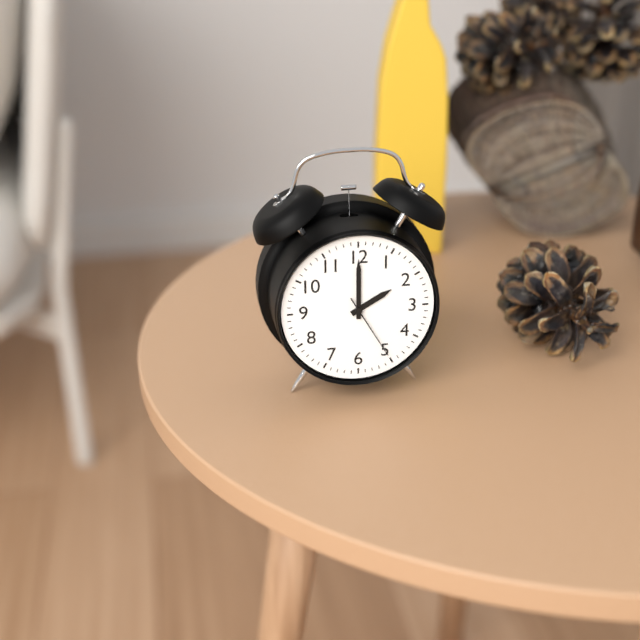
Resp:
**2:00:25**
